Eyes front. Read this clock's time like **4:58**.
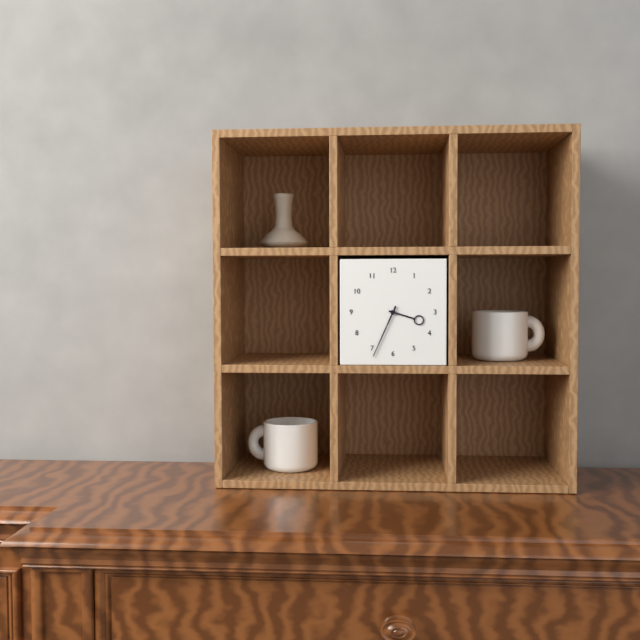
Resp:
**3:34**
